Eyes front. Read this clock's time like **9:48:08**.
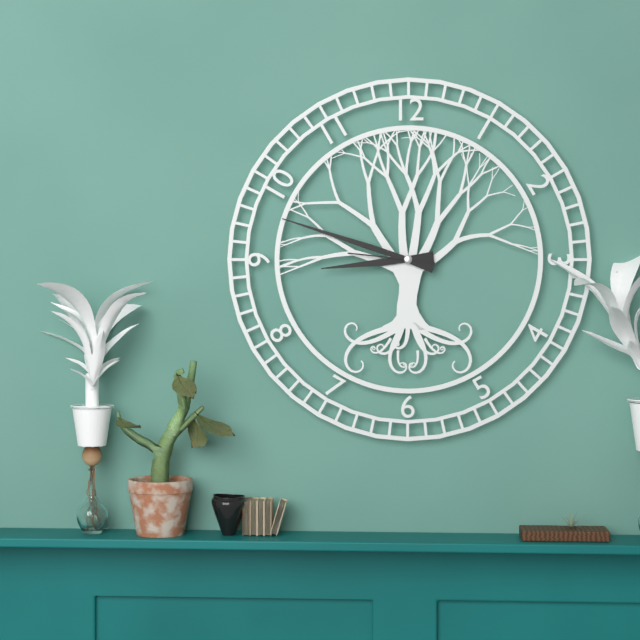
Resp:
**8:48:46**
